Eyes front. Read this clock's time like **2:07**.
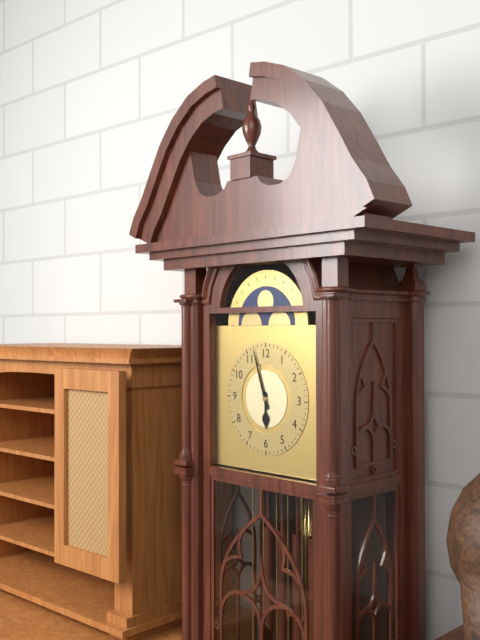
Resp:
**5:57**
